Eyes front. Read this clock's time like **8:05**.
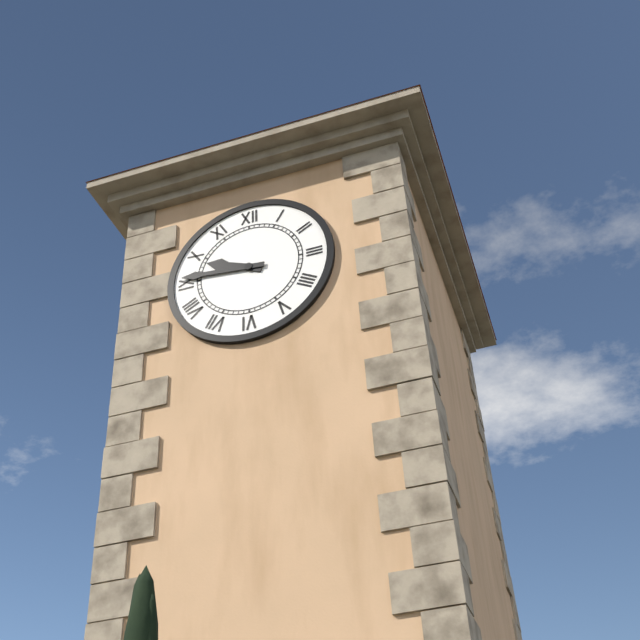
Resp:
**9:46**
